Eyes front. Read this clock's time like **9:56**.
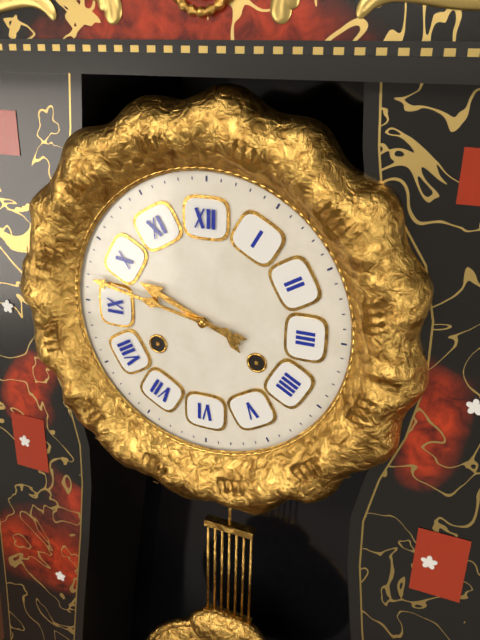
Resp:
**9:47**
